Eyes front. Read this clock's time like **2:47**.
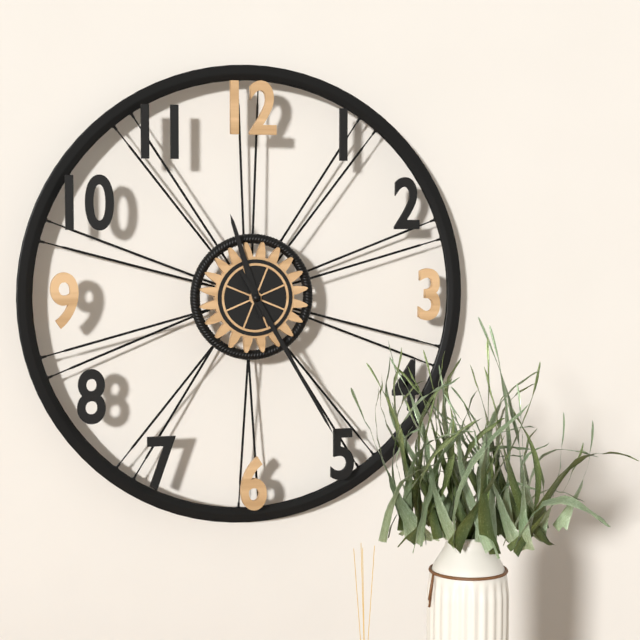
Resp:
**11:25**
